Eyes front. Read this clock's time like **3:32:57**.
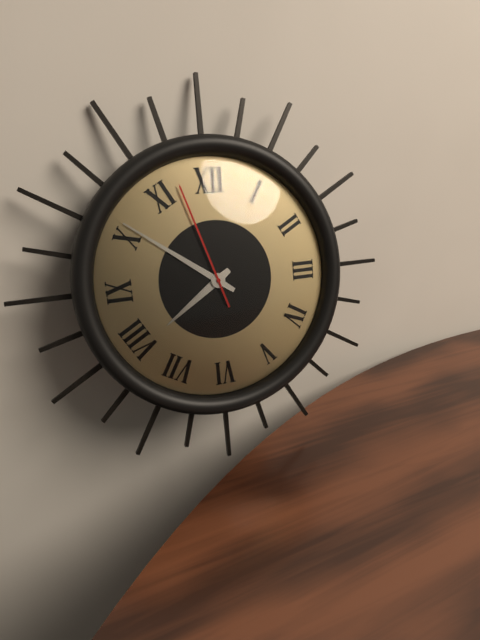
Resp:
**7:51:57**
